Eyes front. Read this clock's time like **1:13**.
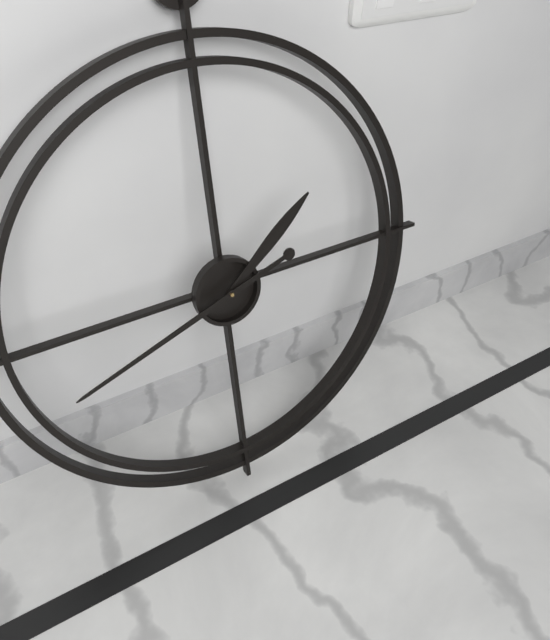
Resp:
**1:42**
